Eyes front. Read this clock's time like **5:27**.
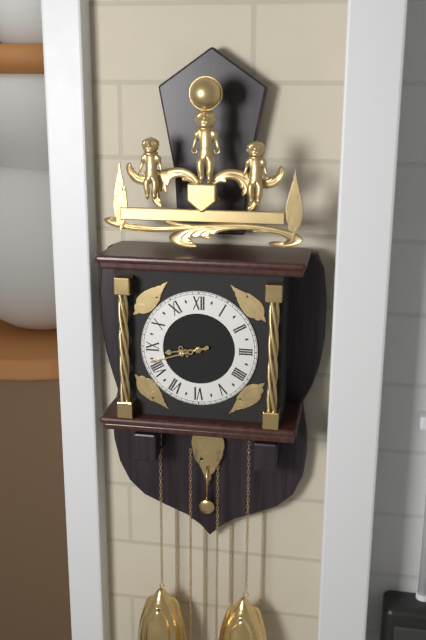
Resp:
**8:42**
